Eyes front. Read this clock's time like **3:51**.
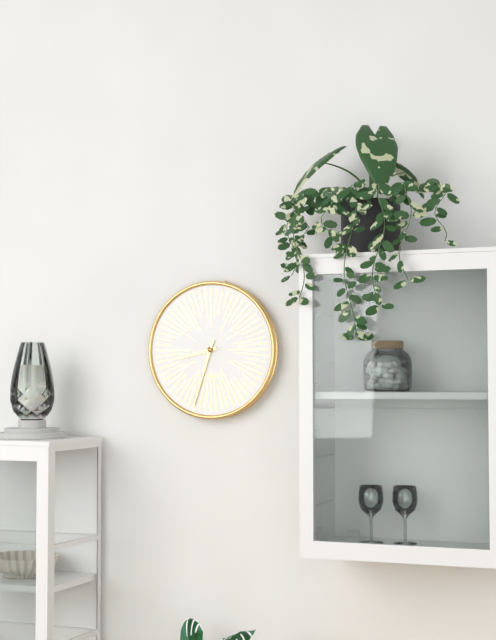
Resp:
**8:33**
